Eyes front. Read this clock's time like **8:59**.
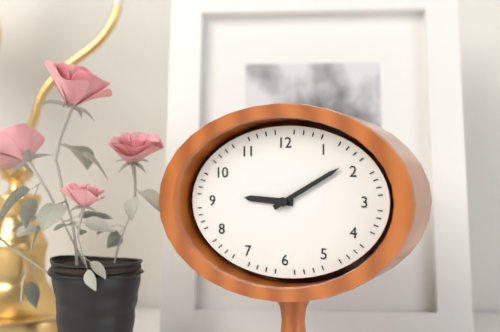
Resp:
**9:10**
